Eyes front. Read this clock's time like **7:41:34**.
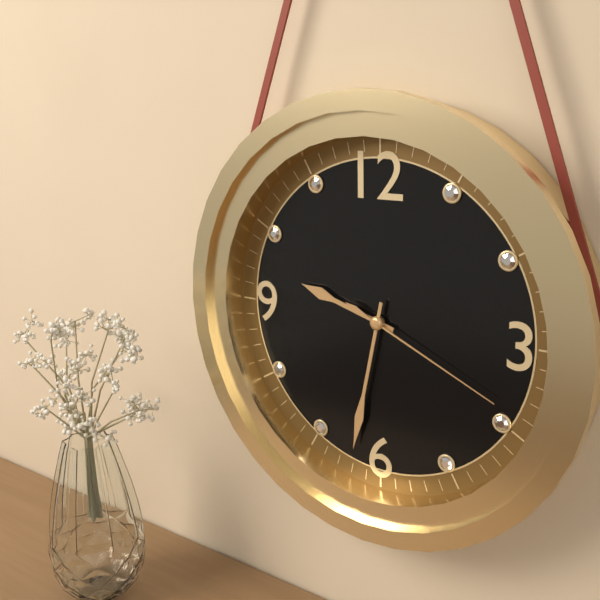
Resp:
**9:32:19**
